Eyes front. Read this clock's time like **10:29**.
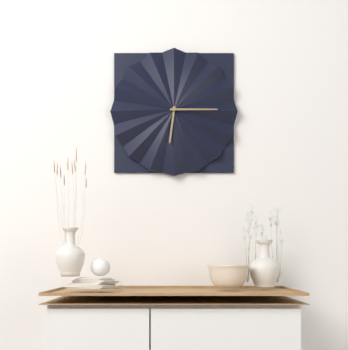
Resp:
**6:15**
